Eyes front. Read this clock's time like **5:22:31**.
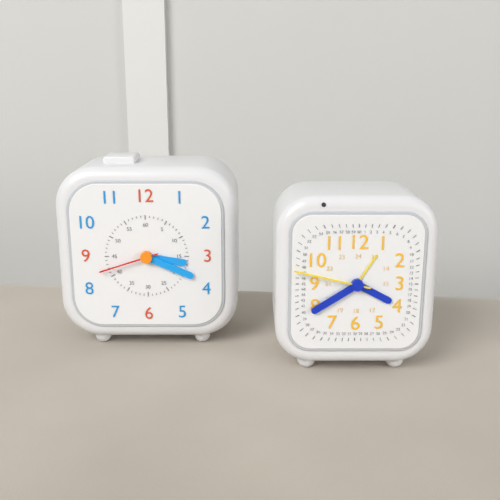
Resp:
**3:19:42**
